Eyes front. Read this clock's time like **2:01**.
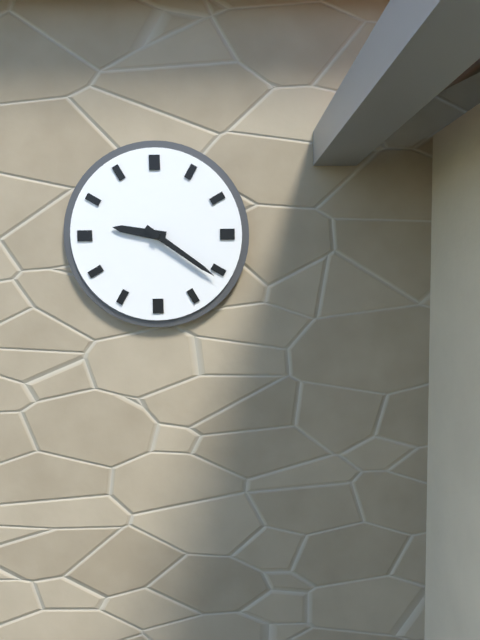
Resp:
**9:21**
